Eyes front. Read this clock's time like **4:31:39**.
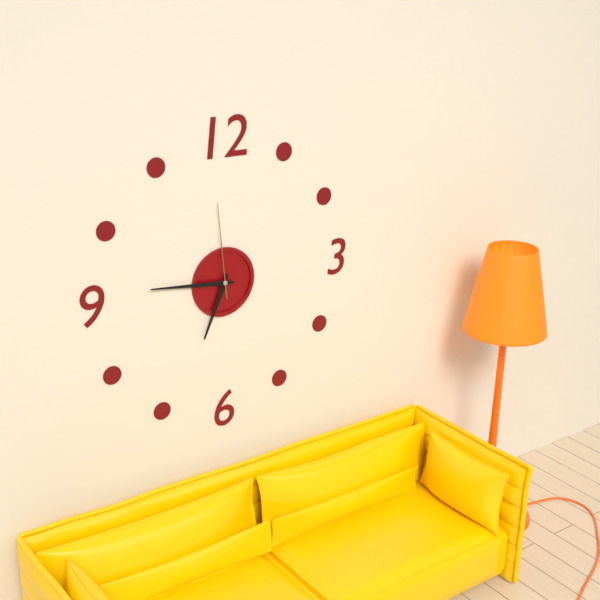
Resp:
**6:46:59**
